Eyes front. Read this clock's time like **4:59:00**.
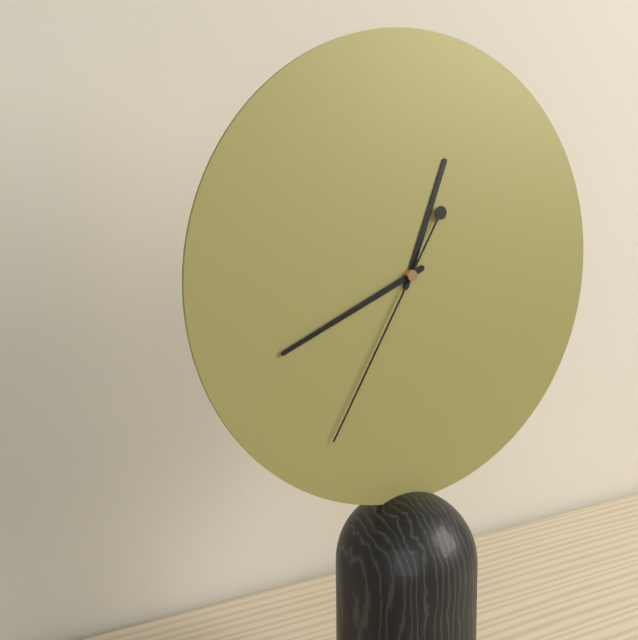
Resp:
**12:41:35**
